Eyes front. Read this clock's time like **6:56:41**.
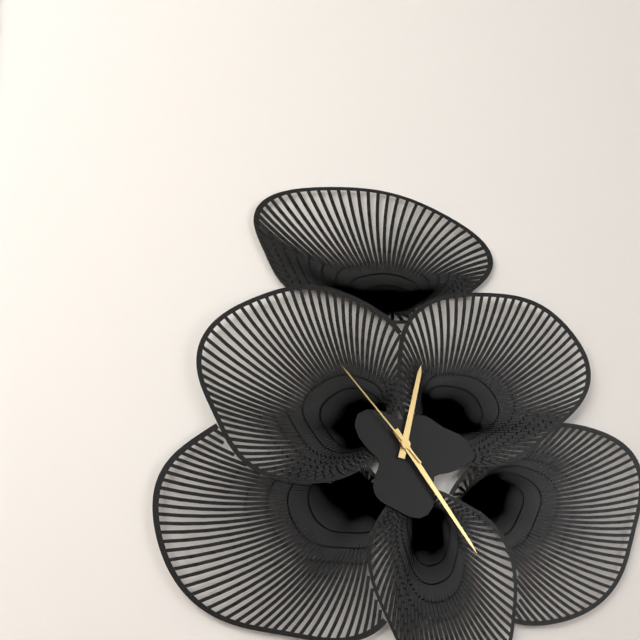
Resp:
**12:24:53**
